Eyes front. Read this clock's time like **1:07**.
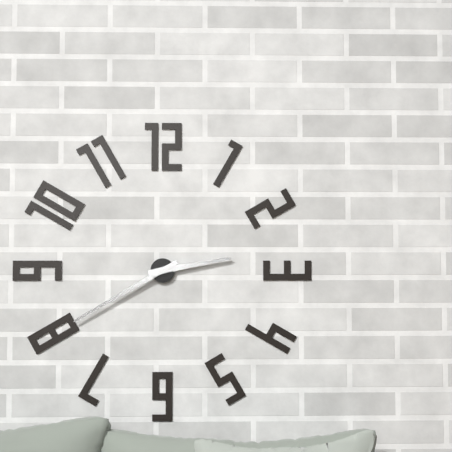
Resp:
**2:40**
